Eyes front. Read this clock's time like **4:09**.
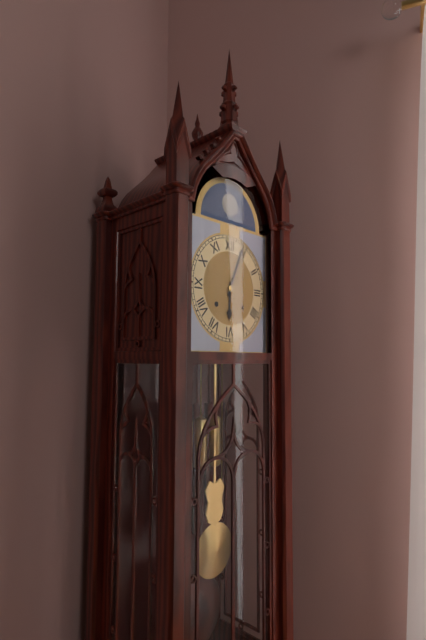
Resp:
**6:04**
